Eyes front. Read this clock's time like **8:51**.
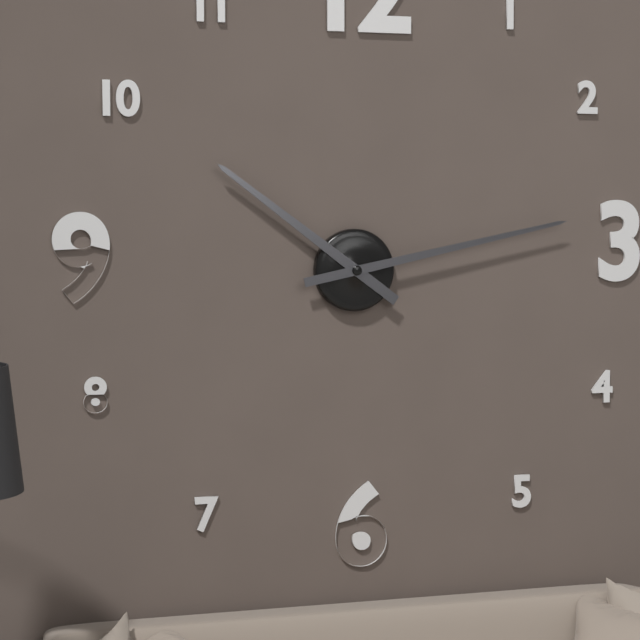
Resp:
**10:13**
